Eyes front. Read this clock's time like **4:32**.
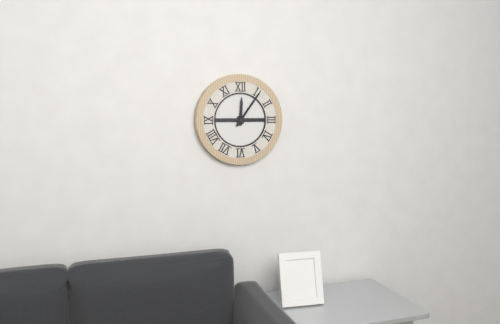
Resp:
**12:06**
